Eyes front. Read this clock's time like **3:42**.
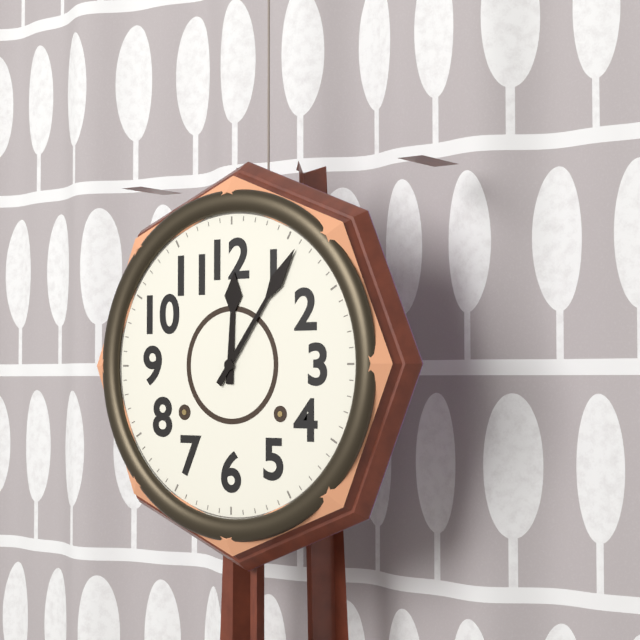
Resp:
**12:06**
